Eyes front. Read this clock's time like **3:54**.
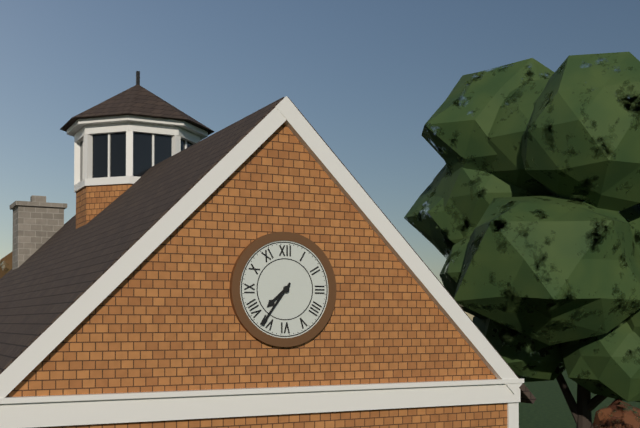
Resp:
**7:36**
